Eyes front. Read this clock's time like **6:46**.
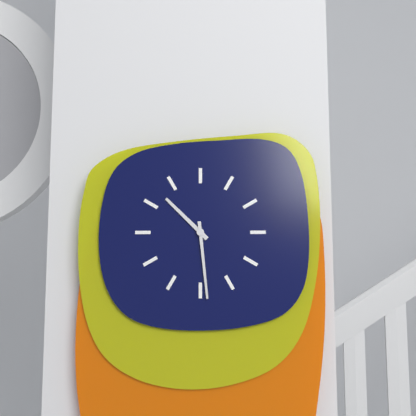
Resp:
**10:29**
